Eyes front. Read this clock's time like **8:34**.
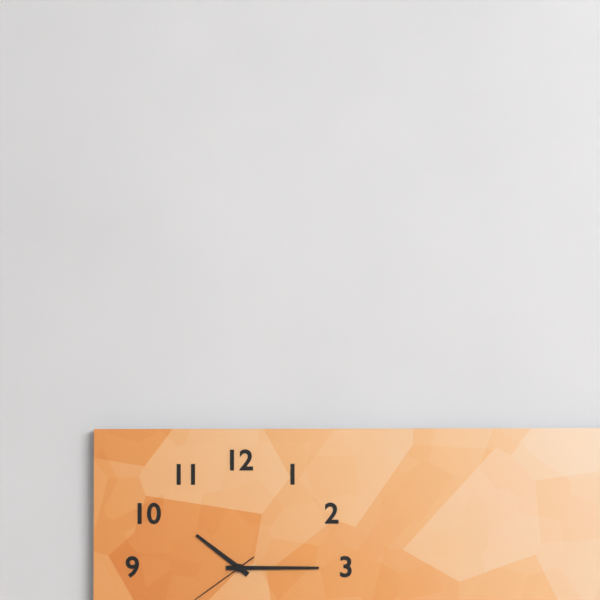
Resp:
**10:15**
